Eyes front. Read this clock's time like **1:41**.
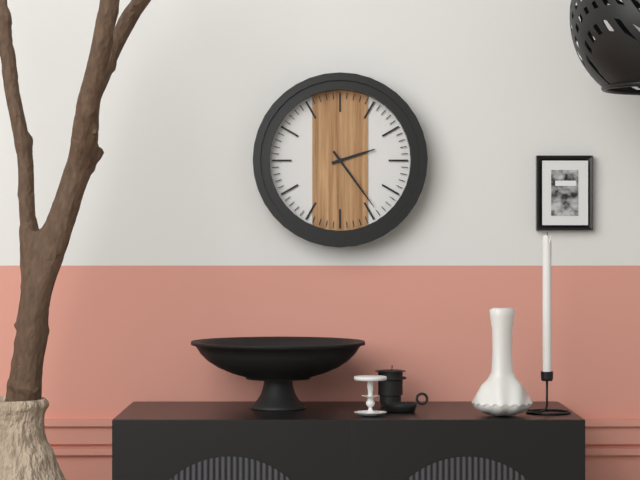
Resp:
**2:24**
